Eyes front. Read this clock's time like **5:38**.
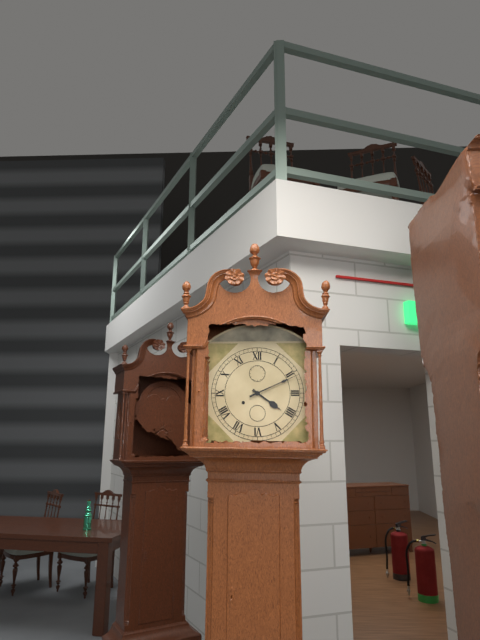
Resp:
**4:11**
